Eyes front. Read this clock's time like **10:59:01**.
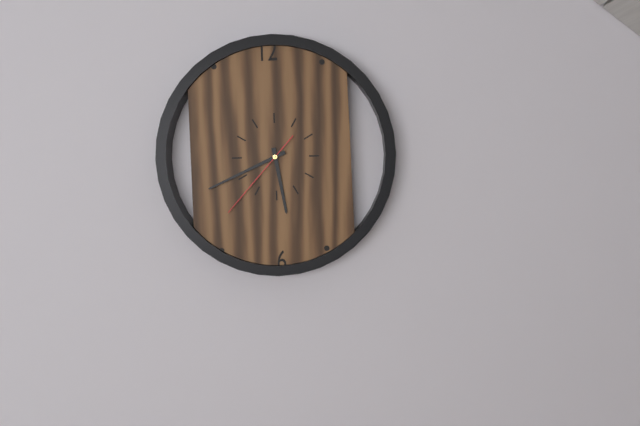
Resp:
**5:41:37**
